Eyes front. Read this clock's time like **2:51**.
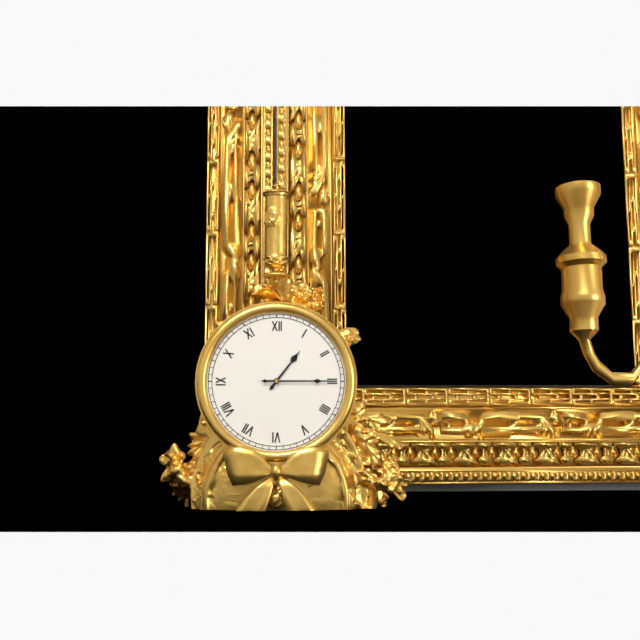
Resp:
**1:15**
